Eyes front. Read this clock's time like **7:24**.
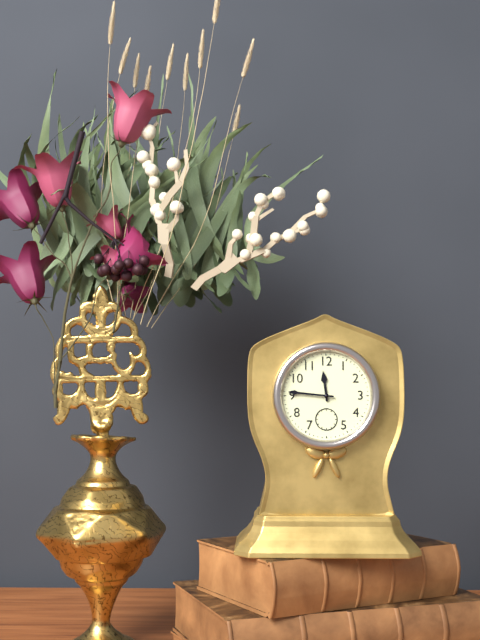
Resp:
**11:46**
